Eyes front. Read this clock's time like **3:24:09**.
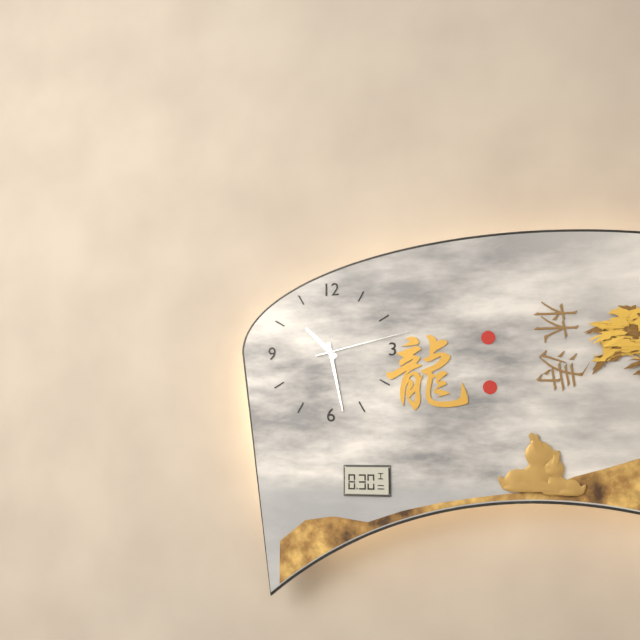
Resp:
**10:28:13**
